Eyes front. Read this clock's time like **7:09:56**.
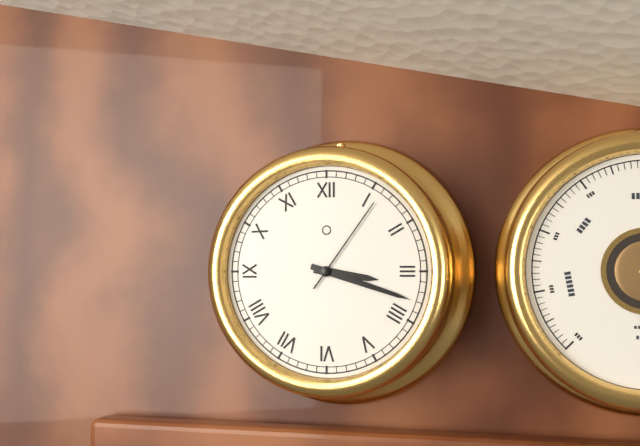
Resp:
**3:18:06**
